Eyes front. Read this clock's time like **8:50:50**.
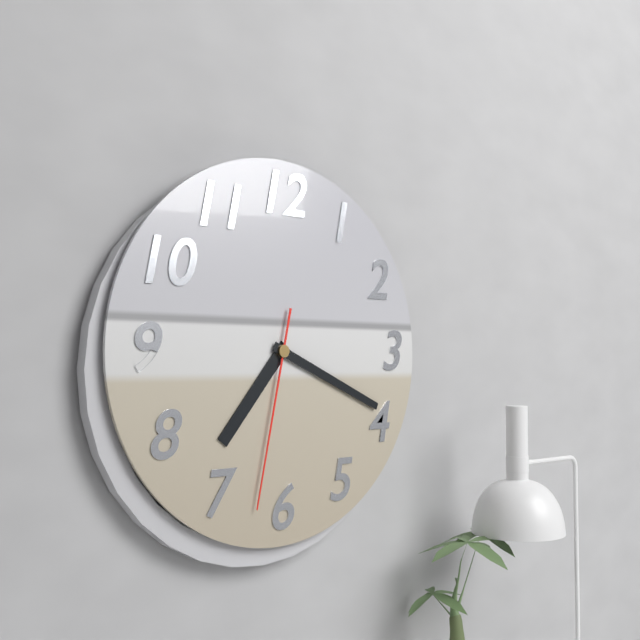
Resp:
**7:19:32**
